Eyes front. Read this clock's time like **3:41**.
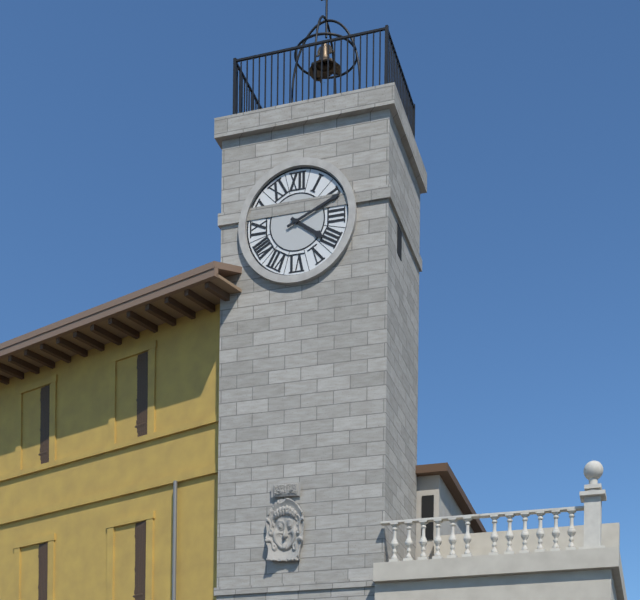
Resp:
**4:11**
